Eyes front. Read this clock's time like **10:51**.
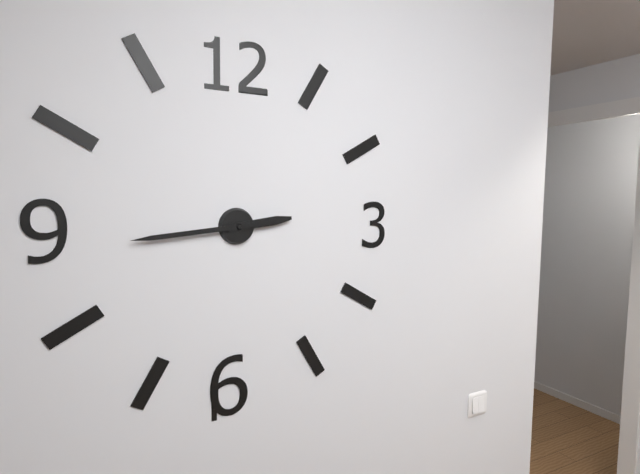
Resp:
**2:44**
